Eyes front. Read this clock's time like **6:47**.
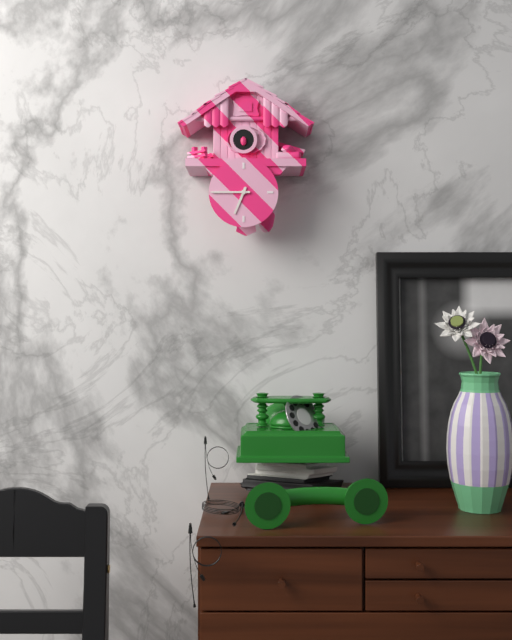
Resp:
**6:45**
